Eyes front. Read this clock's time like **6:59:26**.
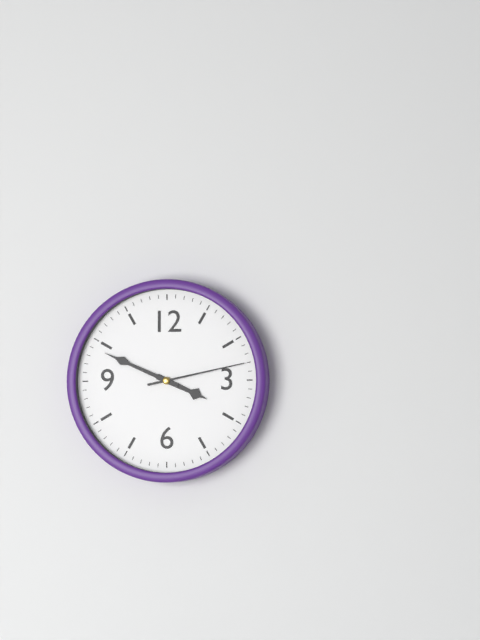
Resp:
**3:49:13**
